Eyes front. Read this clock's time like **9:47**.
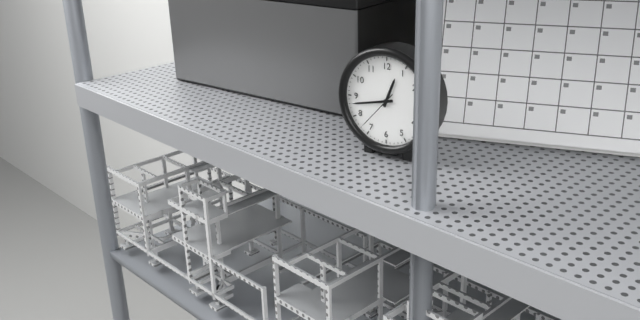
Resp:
**12:43**
